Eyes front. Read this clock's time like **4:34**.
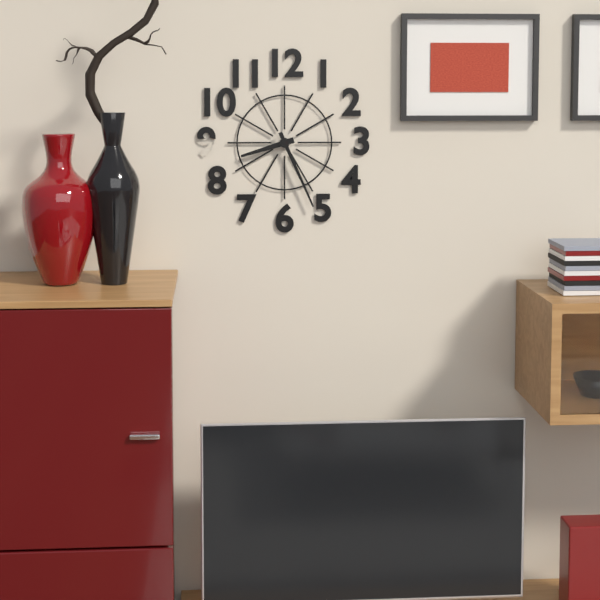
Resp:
**8:26**
